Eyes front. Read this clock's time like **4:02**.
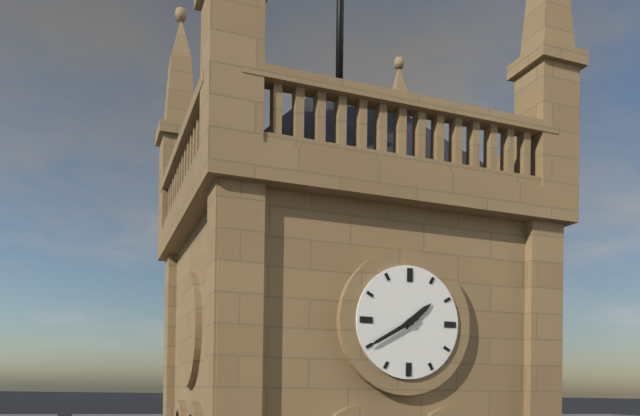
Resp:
**1:40**
